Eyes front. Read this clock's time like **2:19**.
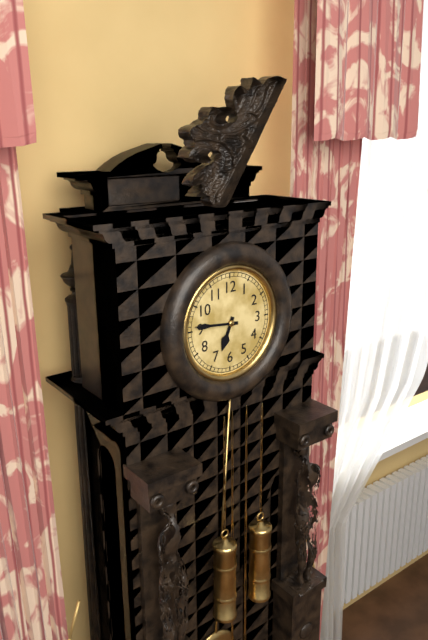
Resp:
**6:46**
